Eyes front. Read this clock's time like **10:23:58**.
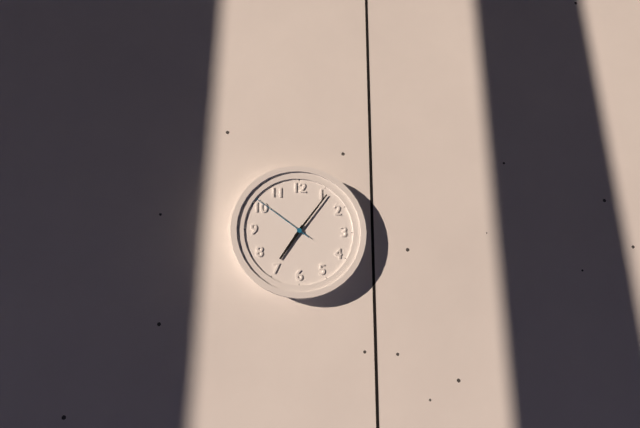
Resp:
**7:06:51**
